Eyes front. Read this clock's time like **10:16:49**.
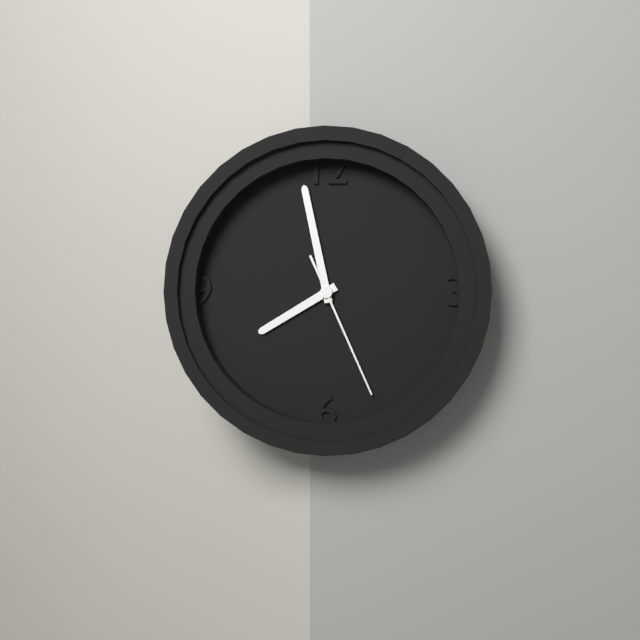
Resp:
**7:58:26**
